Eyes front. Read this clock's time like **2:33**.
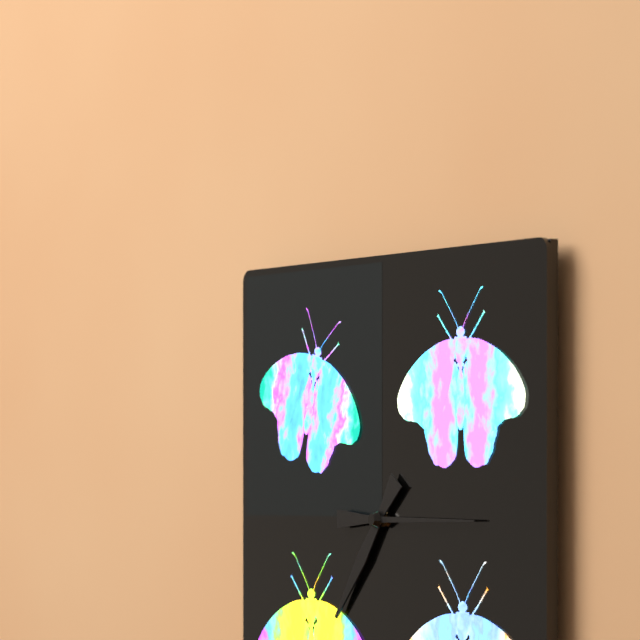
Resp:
**7:15**
